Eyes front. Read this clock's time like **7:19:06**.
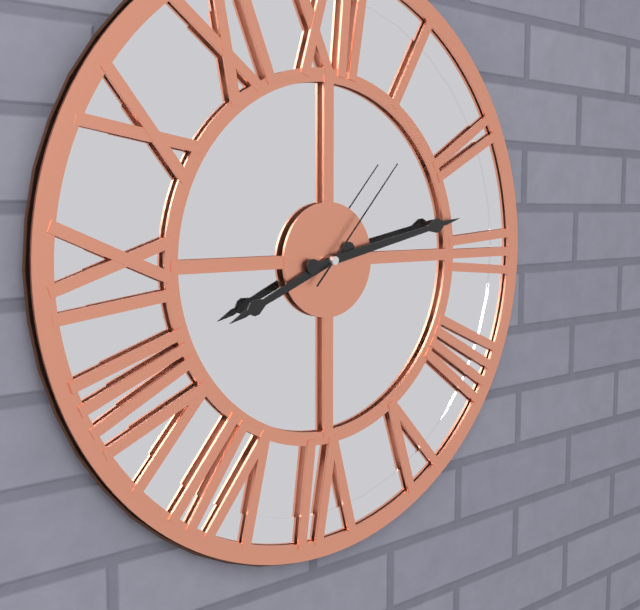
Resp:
**8:13:07**
